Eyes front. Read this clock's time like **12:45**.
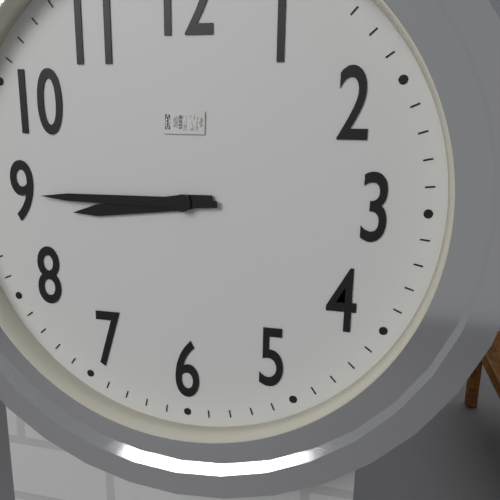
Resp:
**8:45**
